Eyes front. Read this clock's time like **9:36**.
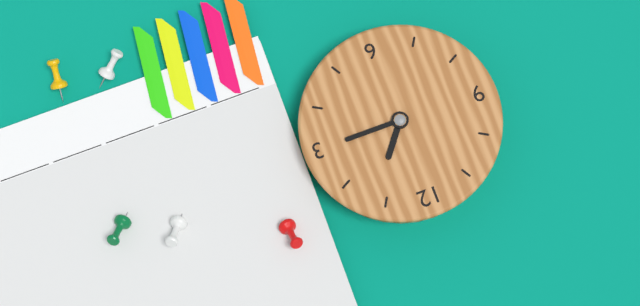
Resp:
**1:15**
